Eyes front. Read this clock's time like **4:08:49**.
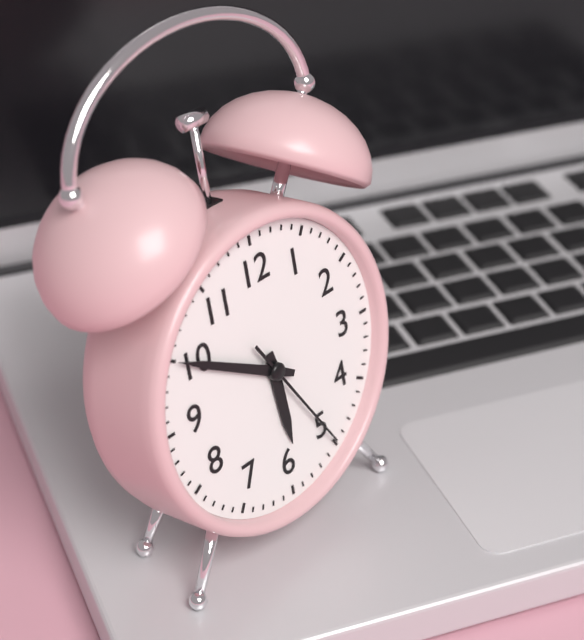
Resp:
**5:50:25**
